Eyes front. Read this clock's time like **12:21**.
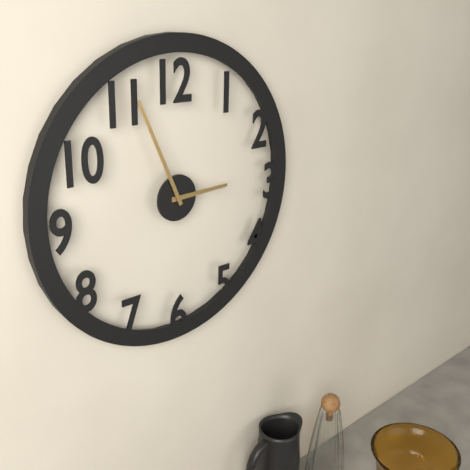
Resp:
**2:56**
